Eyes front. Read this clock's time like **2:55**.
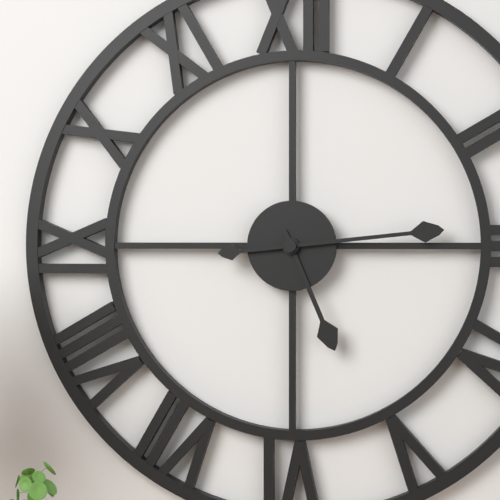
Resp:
**5:14**
